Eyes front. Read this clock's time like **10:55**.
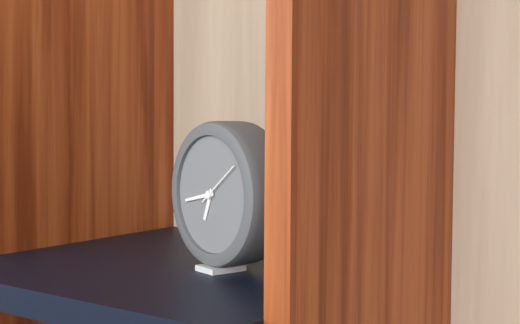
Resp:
**6:43**
